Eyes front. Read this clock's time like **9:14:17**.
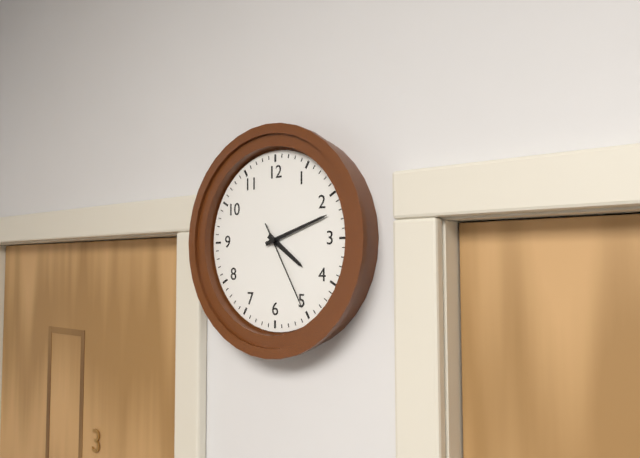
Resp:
**4:12:25**
